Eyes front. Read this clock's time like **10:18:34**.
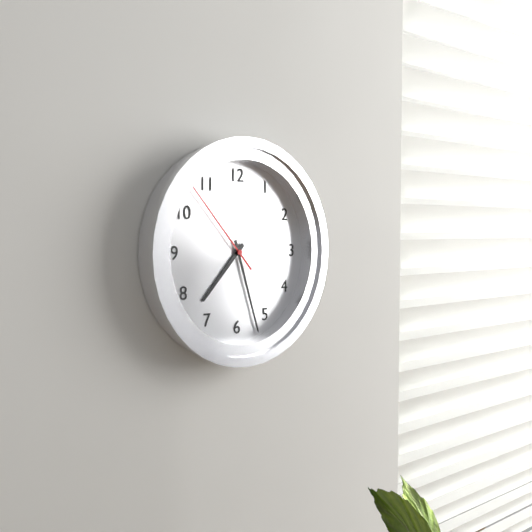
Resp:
**7:27:53**
